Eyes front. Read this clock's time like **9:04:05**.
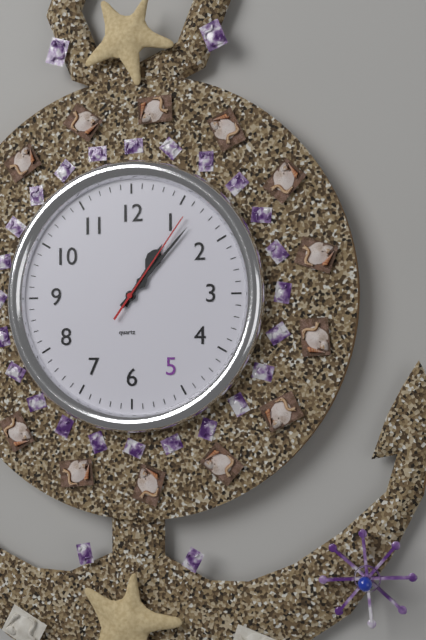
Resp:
**1:07:06**
